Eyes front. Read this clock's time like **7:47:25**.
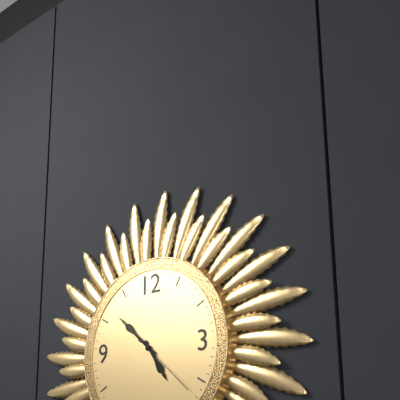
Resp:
**4:52:22**
